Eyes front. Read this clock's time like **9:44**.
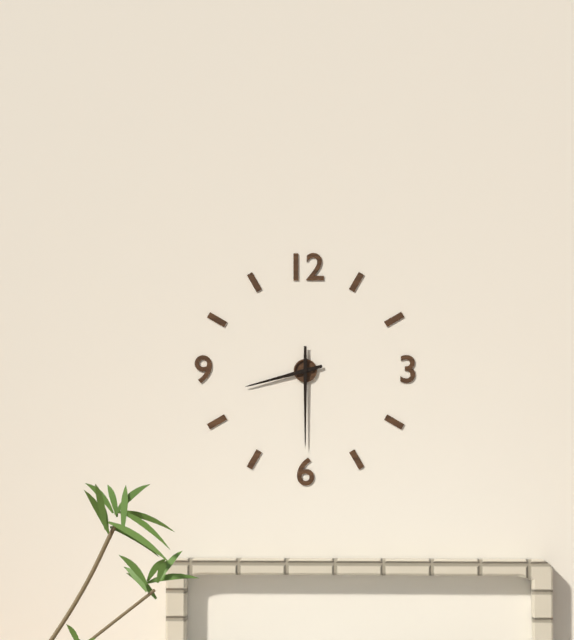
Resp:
**8:30**
